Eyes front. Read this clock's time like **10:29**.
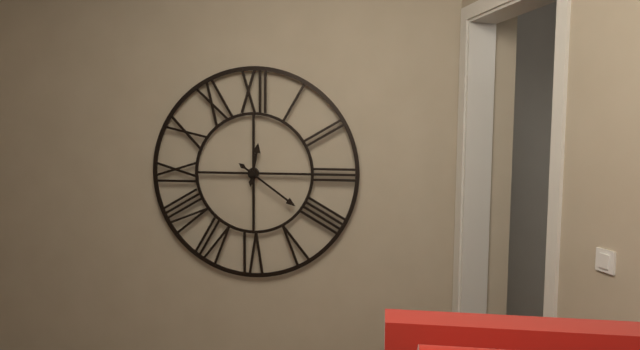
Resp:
**12:21**
